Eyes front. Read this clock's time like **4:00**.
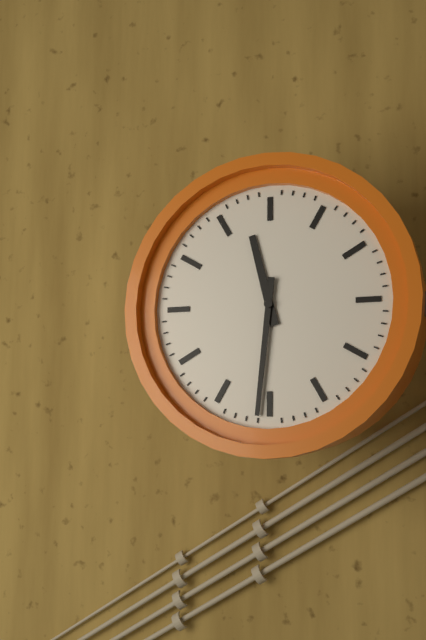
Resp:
**11:31**
